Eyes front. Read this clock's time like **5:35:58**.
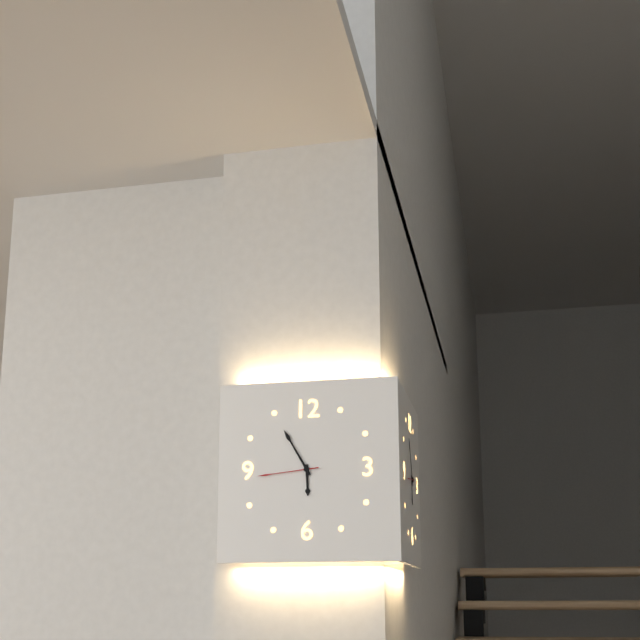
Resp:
**5:55:44**
